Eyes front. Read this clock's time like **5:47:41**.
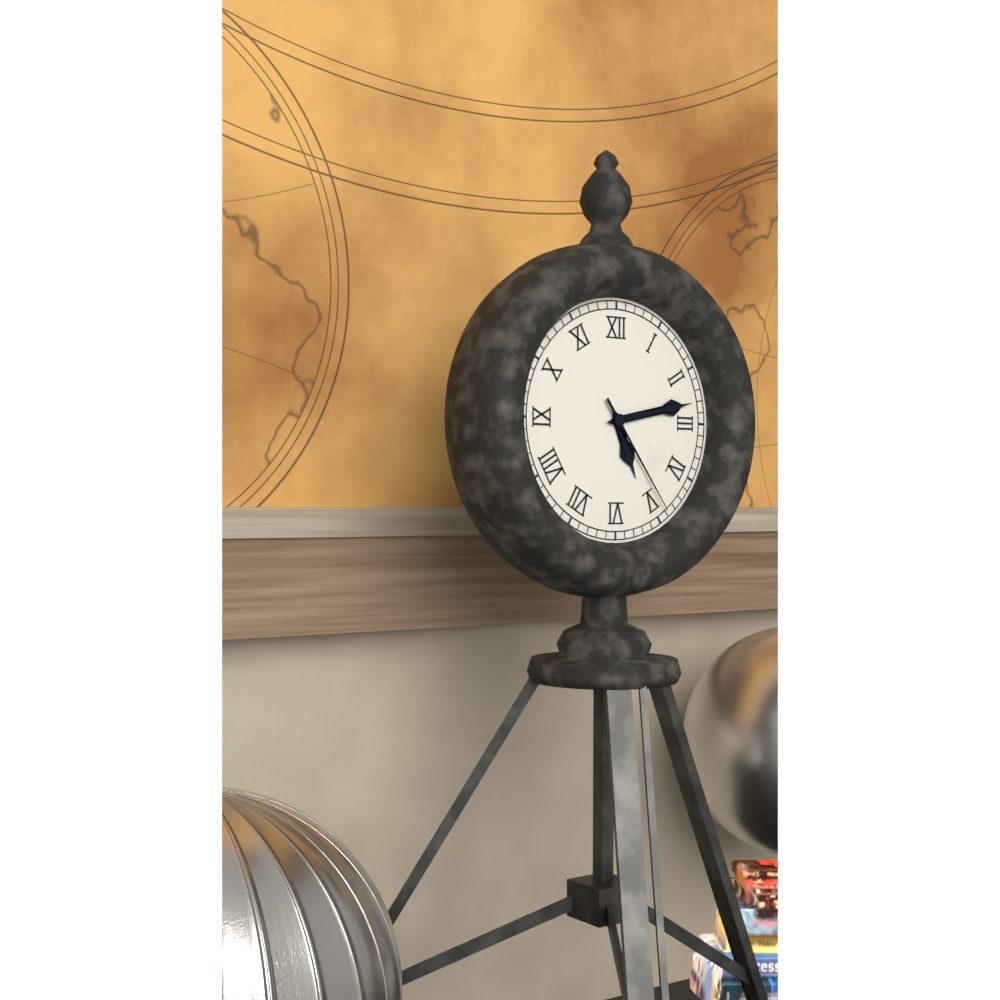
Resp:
**5:13:24**
